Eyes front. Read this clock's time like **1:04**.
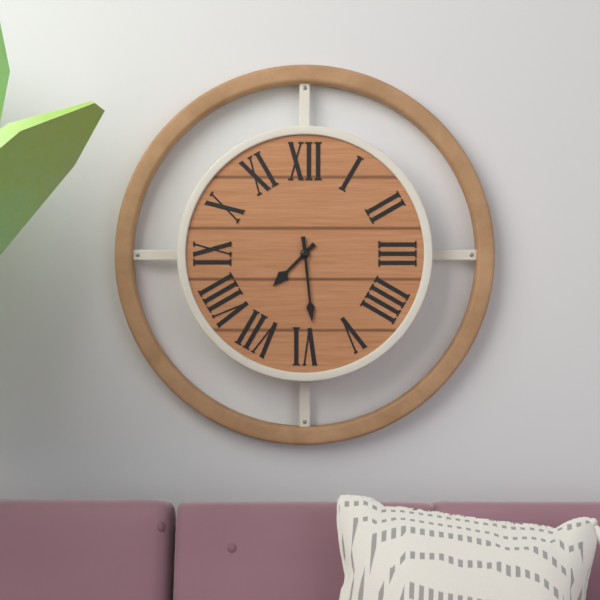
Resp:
**7:29**
